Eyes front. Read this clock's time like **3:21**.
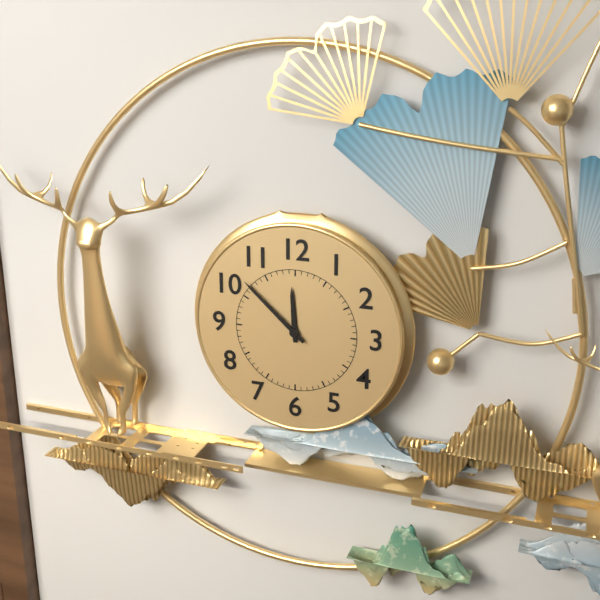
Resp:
**11:52**
